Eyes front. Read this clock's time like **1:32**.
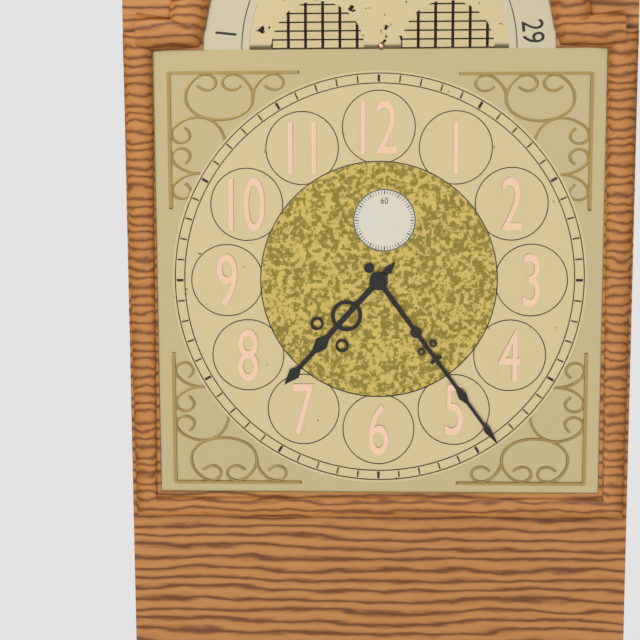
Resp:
**7:24**
